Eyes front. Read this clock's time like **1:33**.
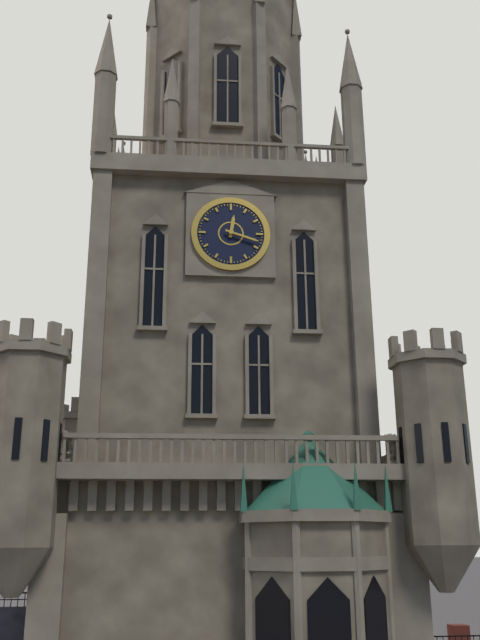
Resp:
**12:18**
